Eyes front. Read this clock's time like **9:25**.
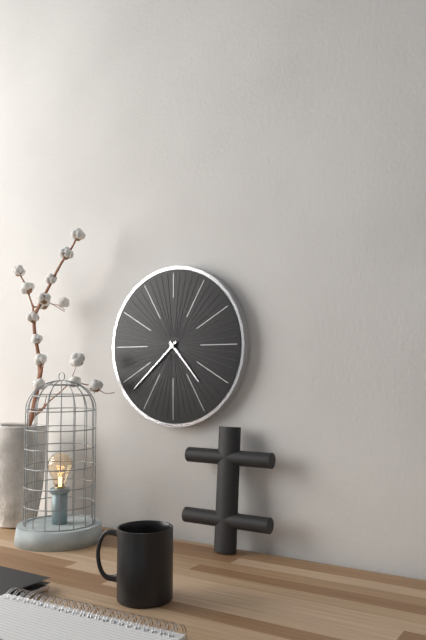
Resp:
**4:38**
